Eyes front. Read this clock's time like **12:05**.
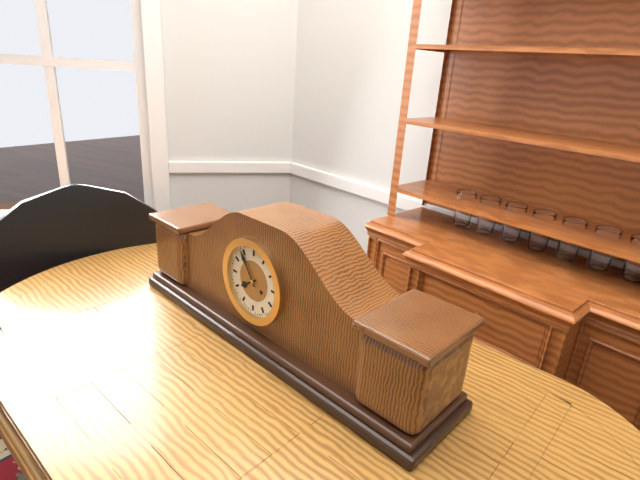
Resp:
**7:54**
